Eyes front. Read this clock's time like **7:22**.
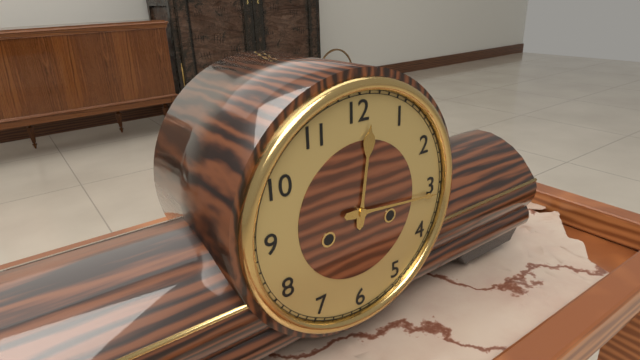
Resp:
**12:16**
